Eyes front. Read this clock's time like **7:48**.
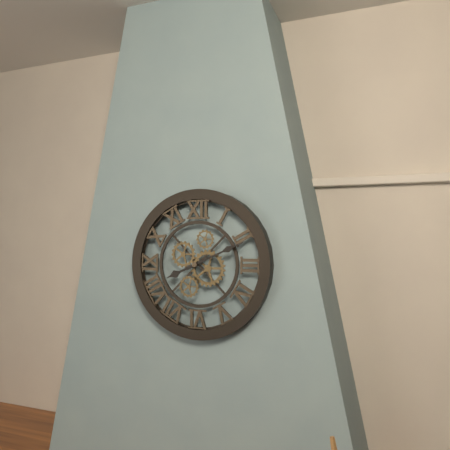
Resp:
**8:11**
